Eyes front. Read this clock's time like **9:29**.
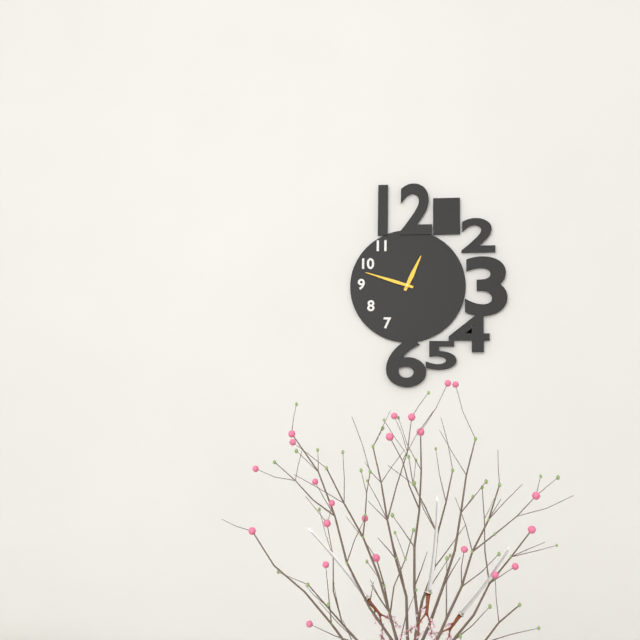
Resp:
**12:48**
